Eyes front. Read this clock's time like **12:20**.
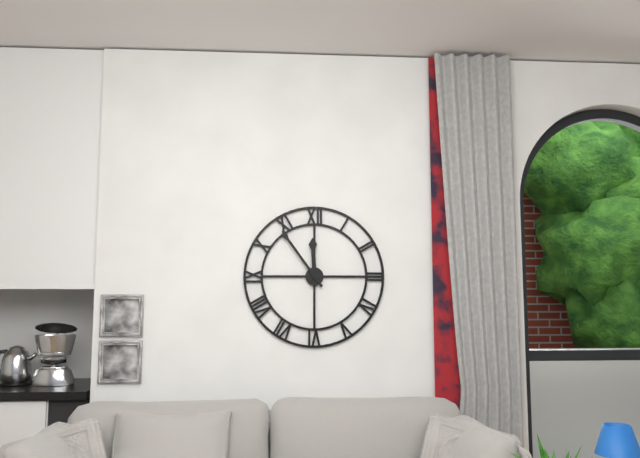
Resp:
**11:54**
